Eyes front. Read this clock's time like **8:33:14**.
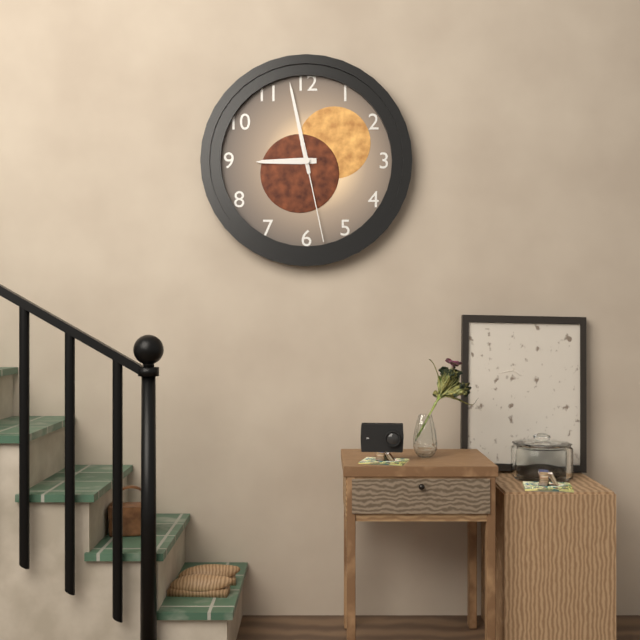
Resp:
**8:58:28**
